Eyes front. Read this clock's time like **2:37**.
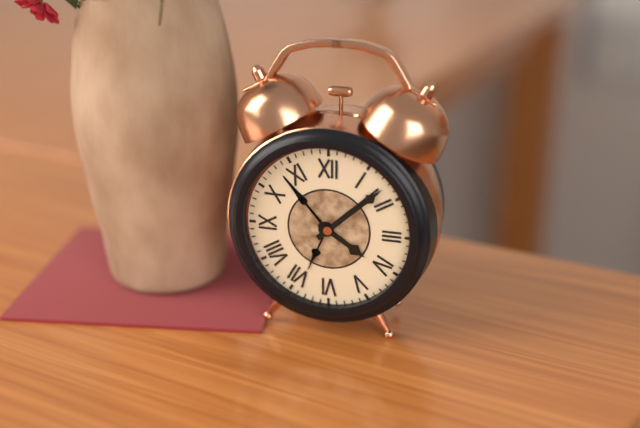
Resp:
**4:08**
